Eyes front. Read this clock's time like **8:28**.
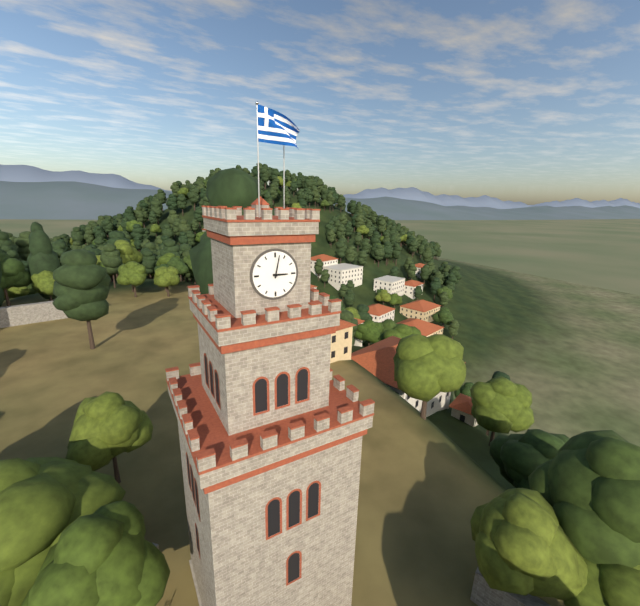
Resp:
**3:02**
